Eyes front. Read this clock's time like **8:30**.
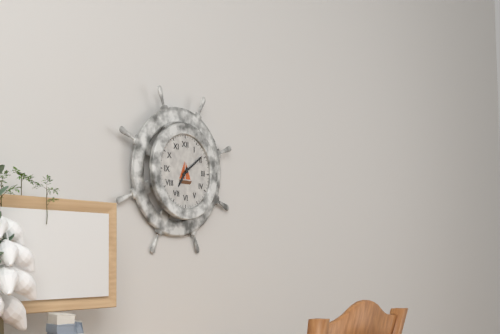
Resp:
**7:09**
